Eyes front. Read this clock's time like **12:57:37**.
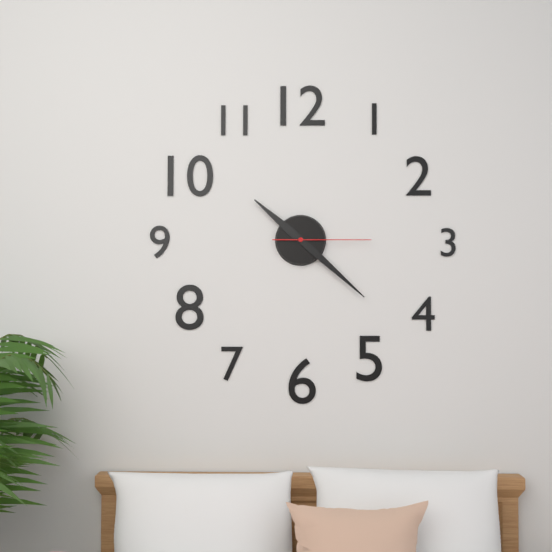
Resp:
**10:22:15**
